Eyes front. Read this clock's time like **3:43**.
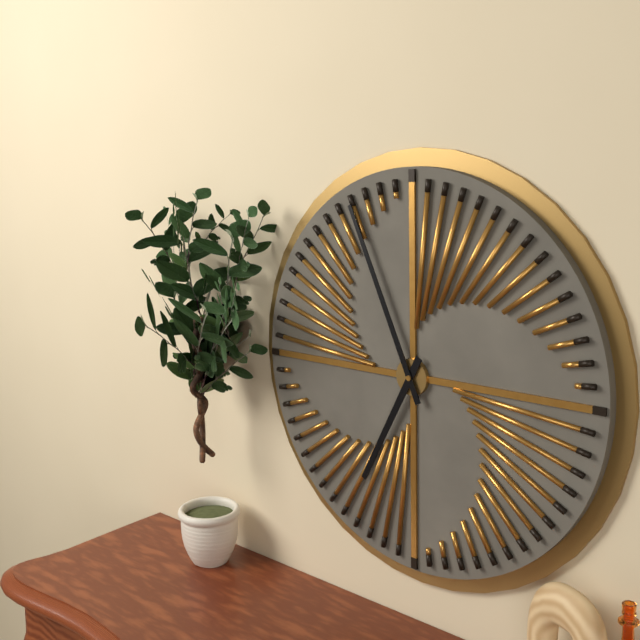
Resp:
**6:56**
